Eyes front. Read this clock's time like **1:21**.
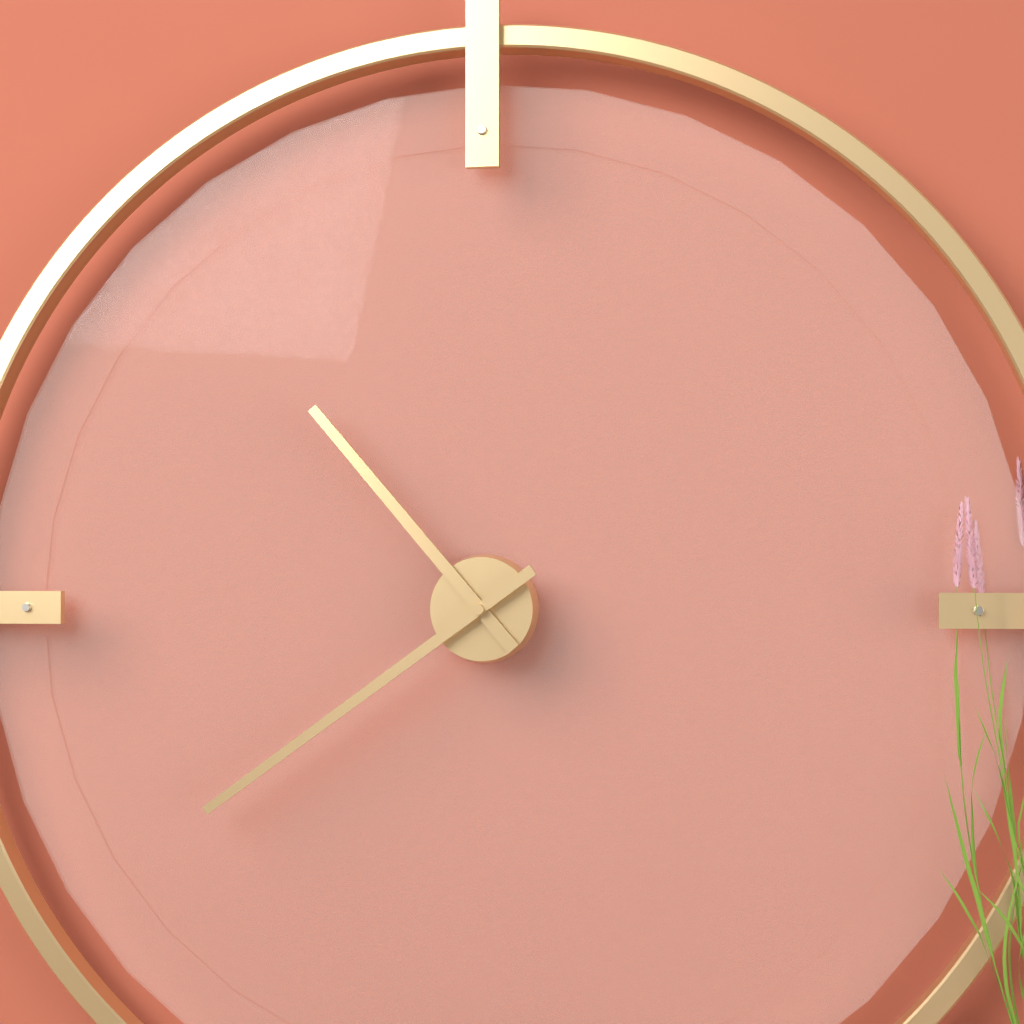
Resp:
**10:39**
